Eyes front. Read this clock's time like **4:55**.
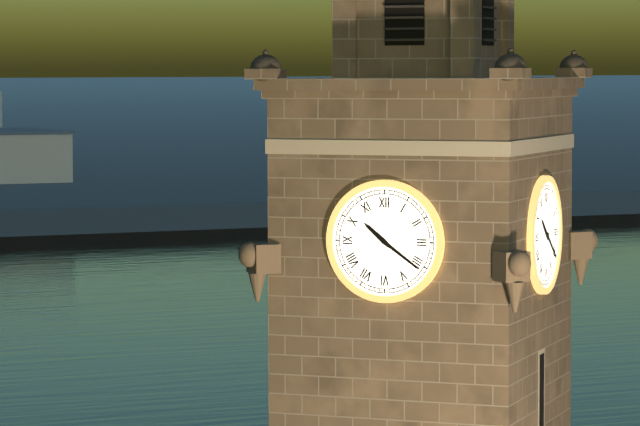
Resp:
**10:21**
